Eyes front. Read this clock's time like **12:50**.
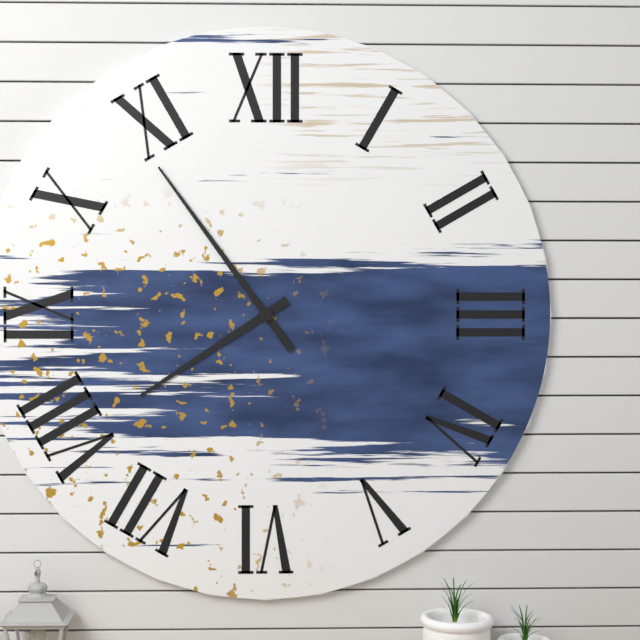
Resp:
**7:54**
